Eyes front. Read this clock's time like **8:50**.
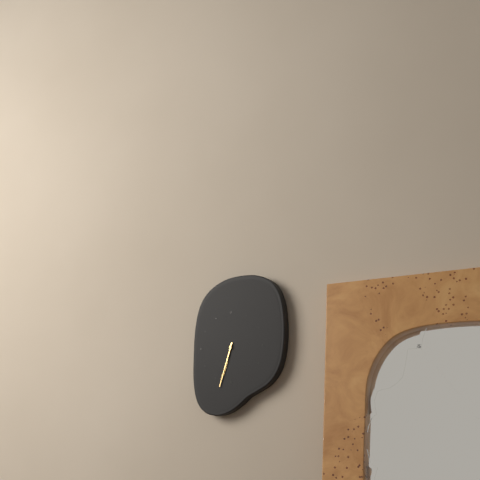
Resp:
**6:33**
